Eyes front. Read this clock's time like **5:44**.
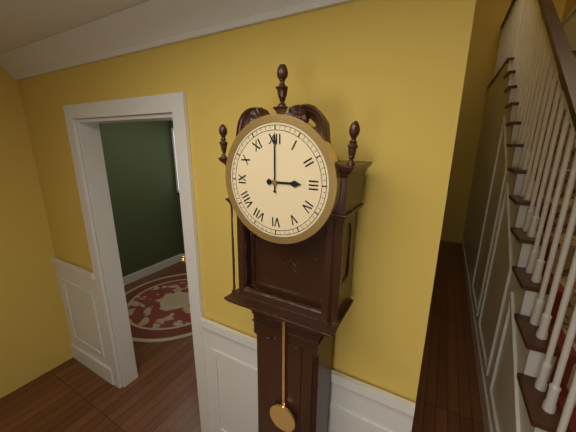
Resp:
**3:00**
